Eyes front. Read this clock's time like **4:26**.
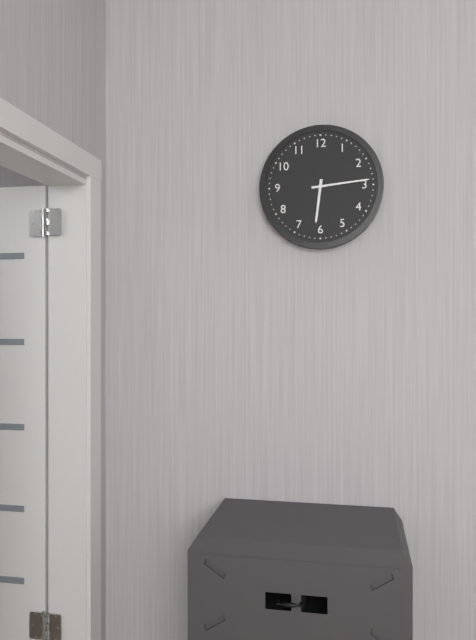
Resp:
**6:14**
